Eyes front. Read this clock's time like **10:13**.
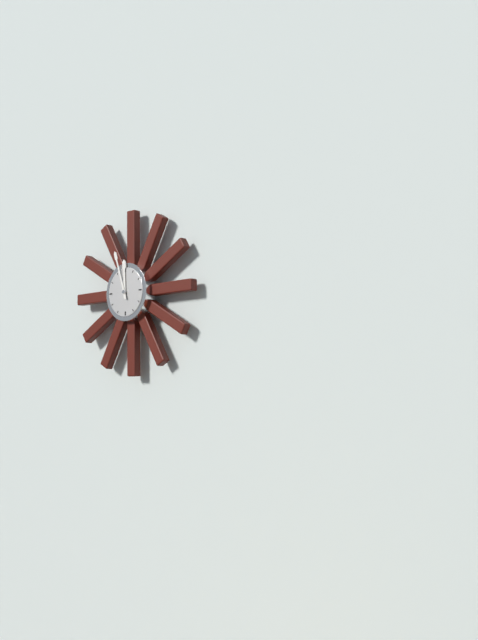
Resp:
**11:57**
